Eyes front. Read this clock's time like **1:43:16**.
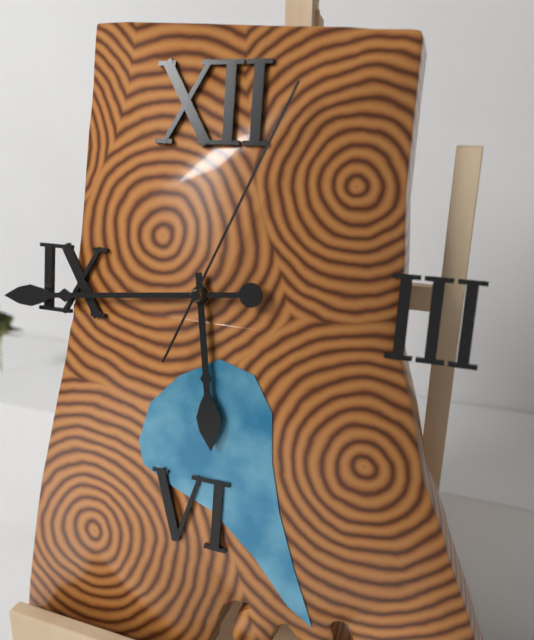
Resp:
**5:44:04**
